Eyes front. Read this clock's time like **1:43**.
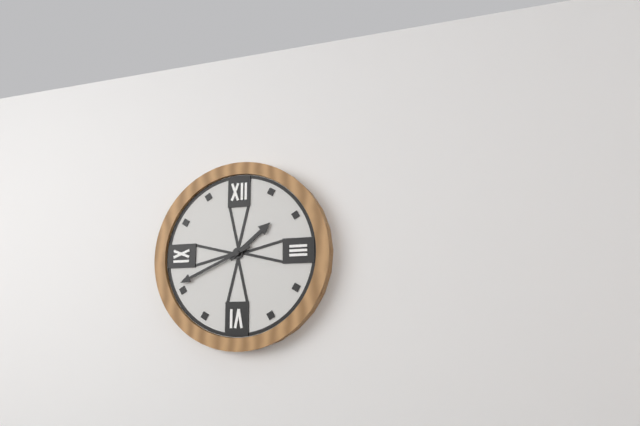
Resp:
**1:41**
